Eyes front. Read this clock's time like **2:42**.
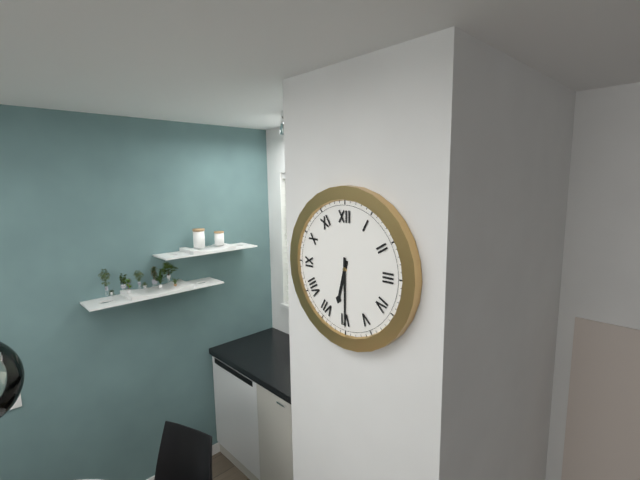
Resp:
**6:30**
